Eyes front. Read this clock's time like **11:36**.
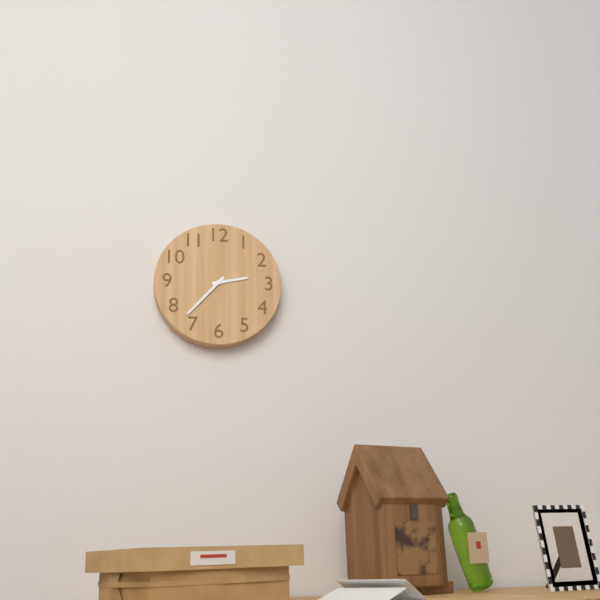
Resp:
**2:37**
